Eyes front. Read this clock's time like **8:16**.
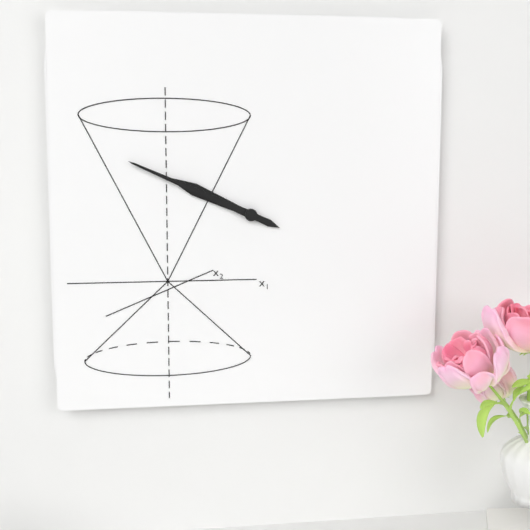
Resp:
**9:49**
